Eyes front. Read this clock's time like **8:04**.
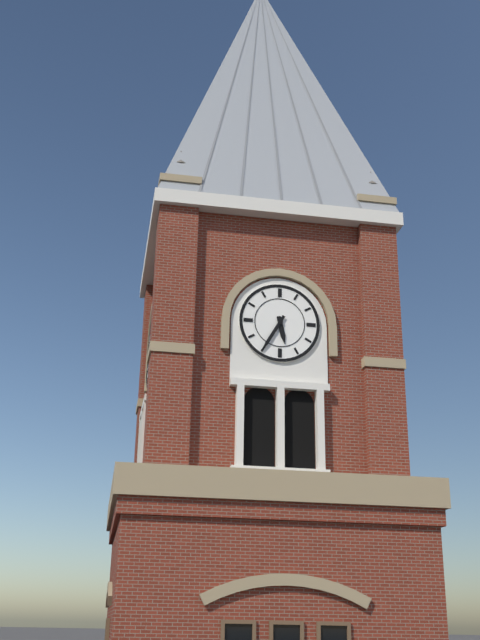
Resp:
**5:35**
